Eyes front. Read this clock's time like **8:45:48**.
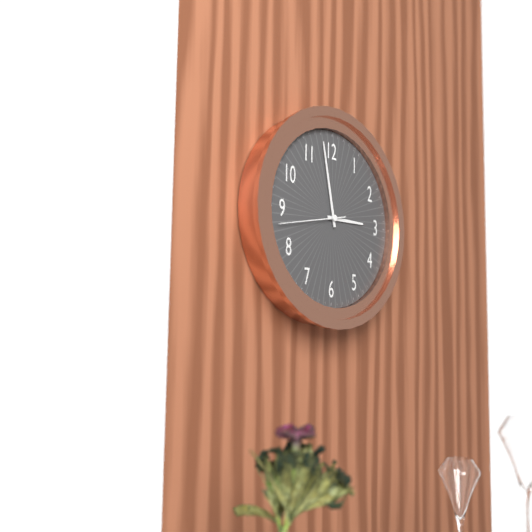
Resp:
**2:58:43**
